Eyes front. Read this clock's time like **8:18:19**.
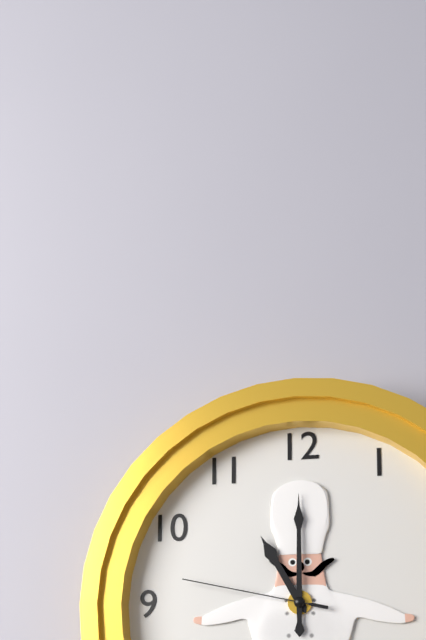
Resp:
**11:00:47**
